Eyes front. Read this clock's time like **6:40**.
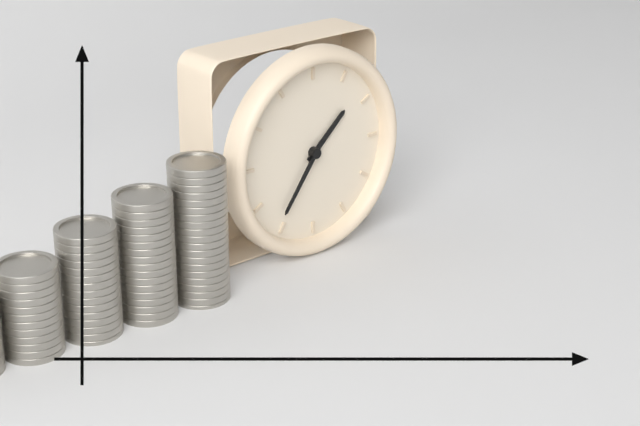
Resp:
**1:36**
